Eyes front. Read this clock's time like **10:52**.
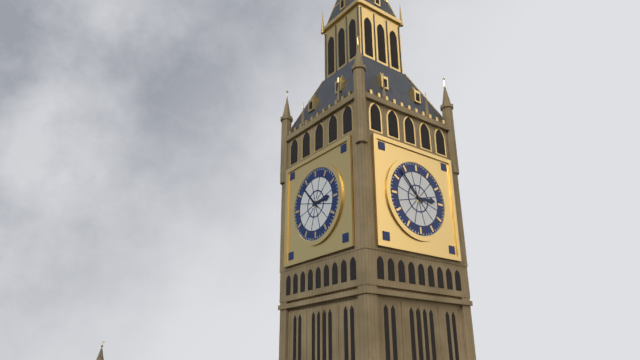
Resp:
**2:53**
